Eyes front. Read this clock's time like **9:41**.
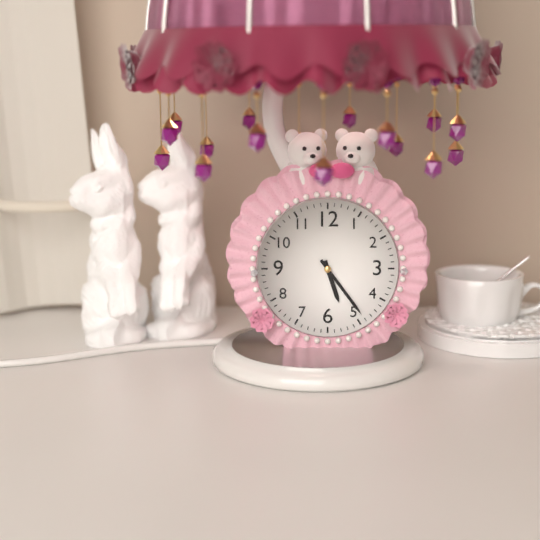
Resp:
**5:24**
